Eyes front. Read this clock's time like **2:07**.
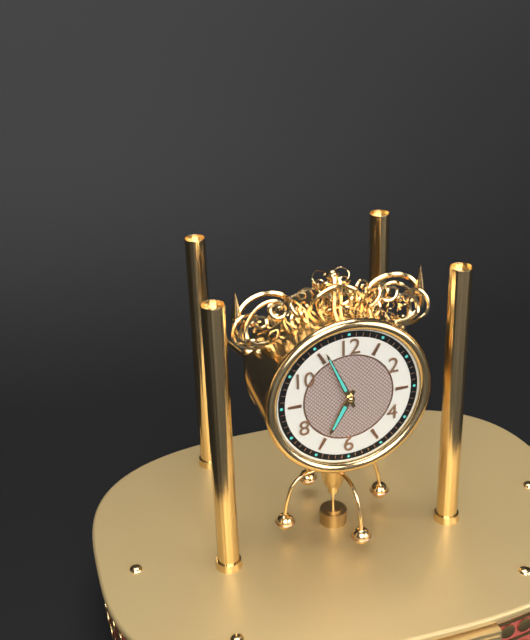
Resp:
**6:56**
